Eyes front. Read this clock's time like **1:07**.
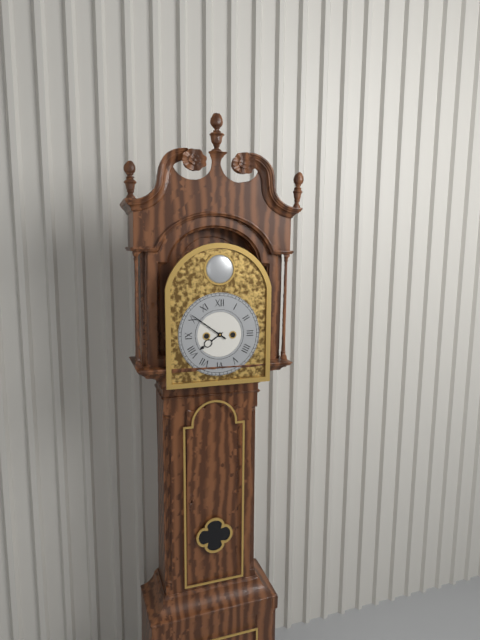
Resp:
**7:51**
